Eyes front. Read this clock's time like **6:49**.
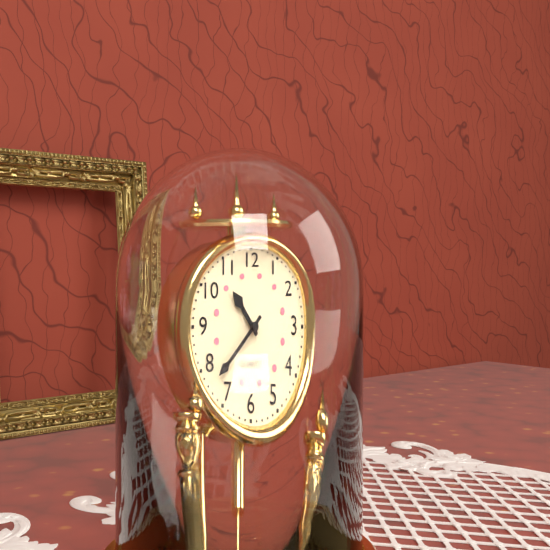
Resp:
**10:38**
